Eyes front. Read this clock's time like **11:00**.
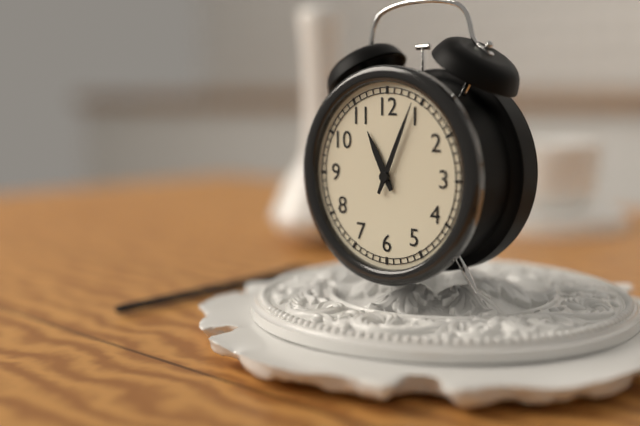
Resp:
**11:04**
